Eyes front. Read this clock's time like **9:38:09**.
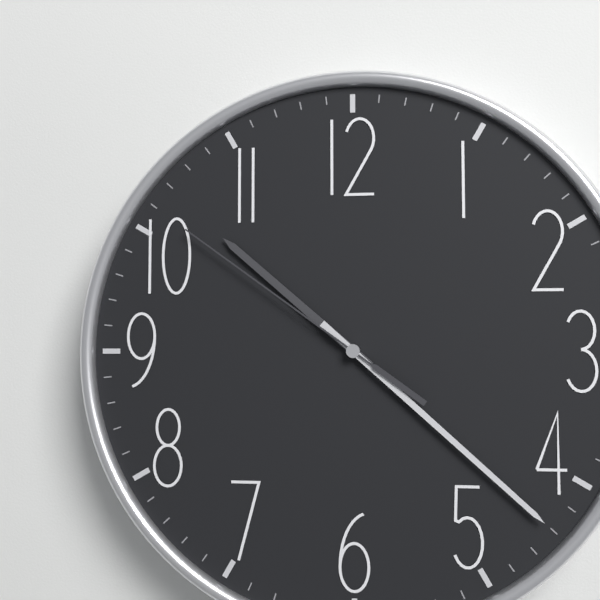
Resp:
**10:22:51**
